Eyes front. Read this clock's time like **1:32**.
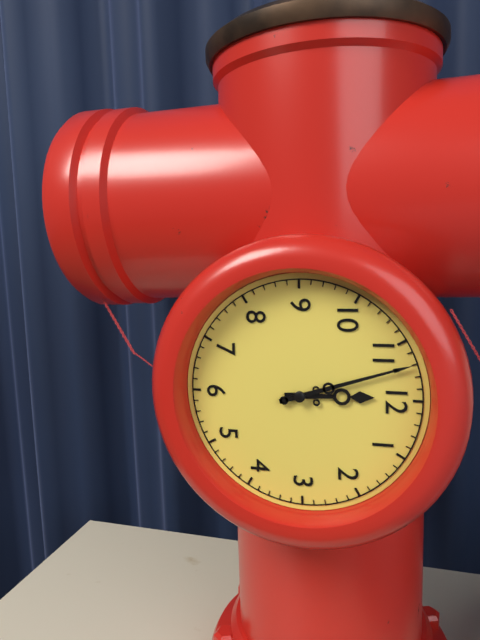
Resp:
**11:57**
